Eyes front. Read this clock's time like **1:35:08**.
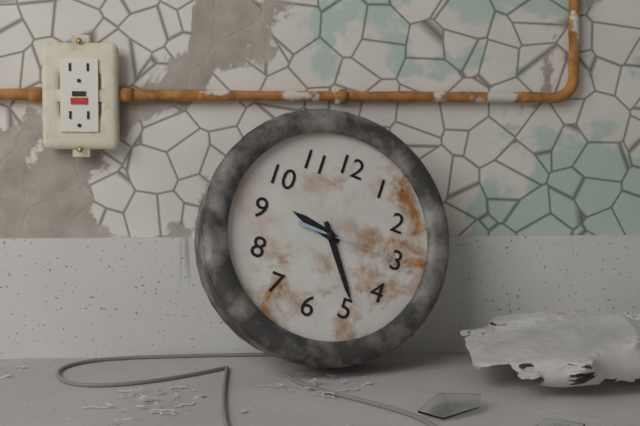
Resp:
**9:24:15**
